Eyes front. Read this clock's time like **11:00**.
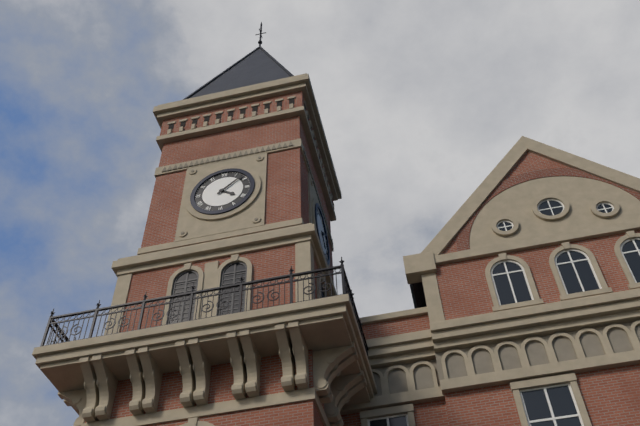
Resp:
**4:08**
